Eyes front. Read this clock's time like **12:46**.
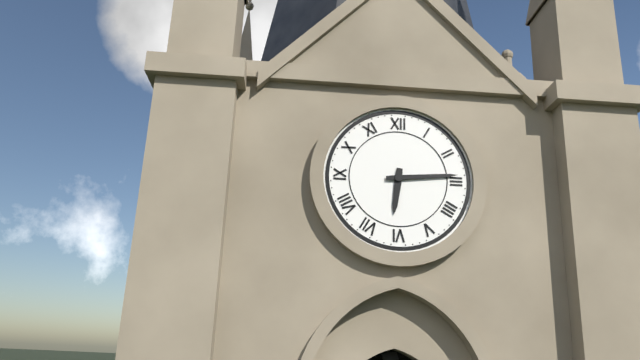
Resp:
**6:14**
